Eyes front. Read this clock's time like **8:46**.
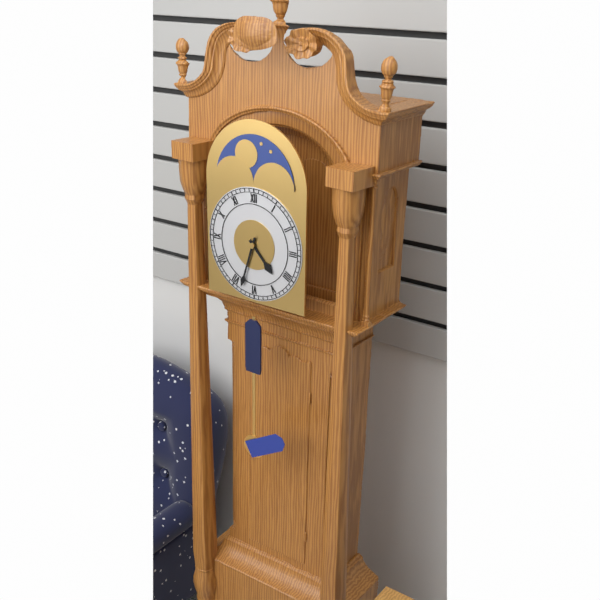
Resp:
**4:33**
